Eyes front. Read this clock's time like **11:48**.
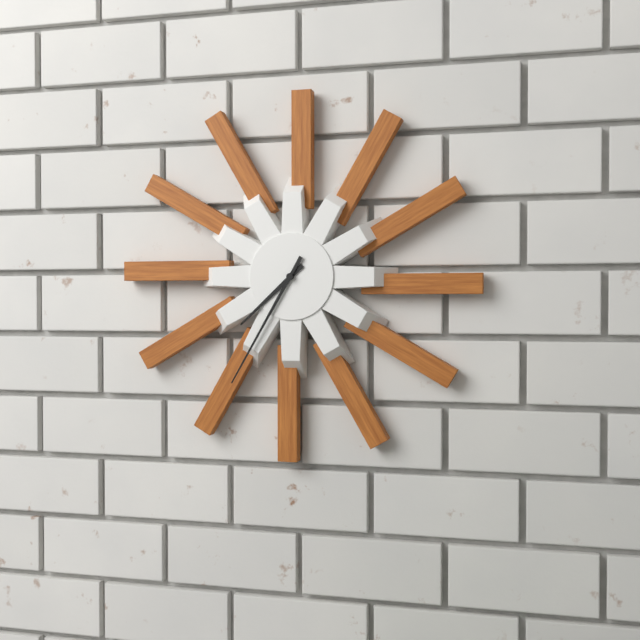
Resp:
**7:35**
